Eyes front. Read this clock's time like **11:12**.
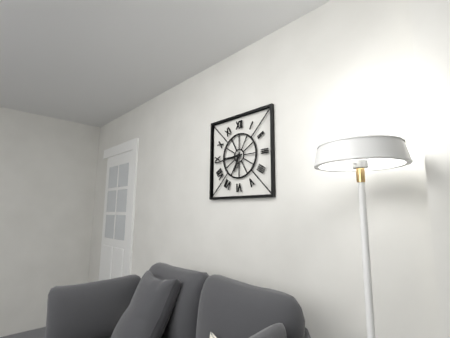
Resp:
**6:44**
